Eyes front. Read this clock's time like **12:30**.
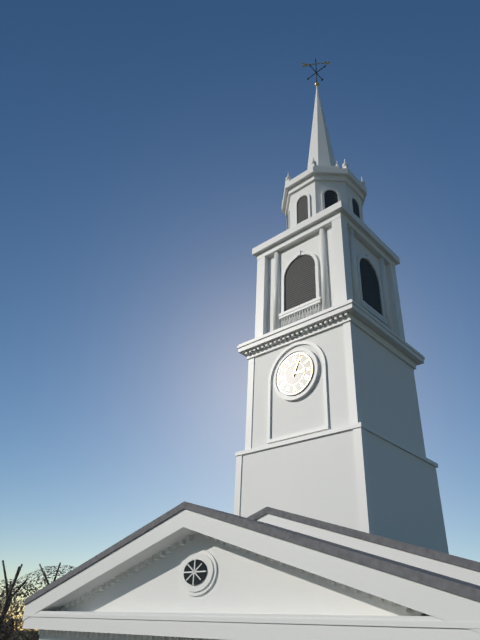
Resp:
**3:04**
